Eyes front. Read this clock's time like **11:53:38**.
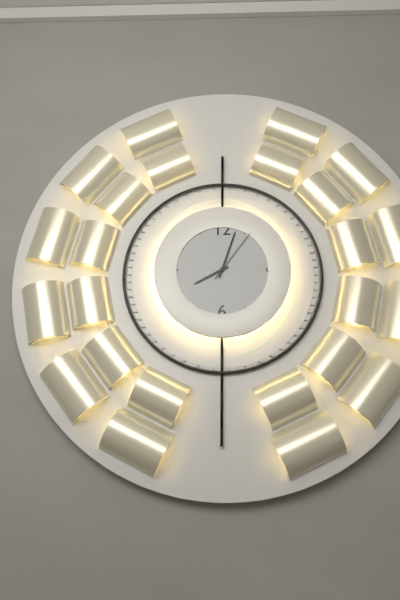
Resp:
**8:03:06**
